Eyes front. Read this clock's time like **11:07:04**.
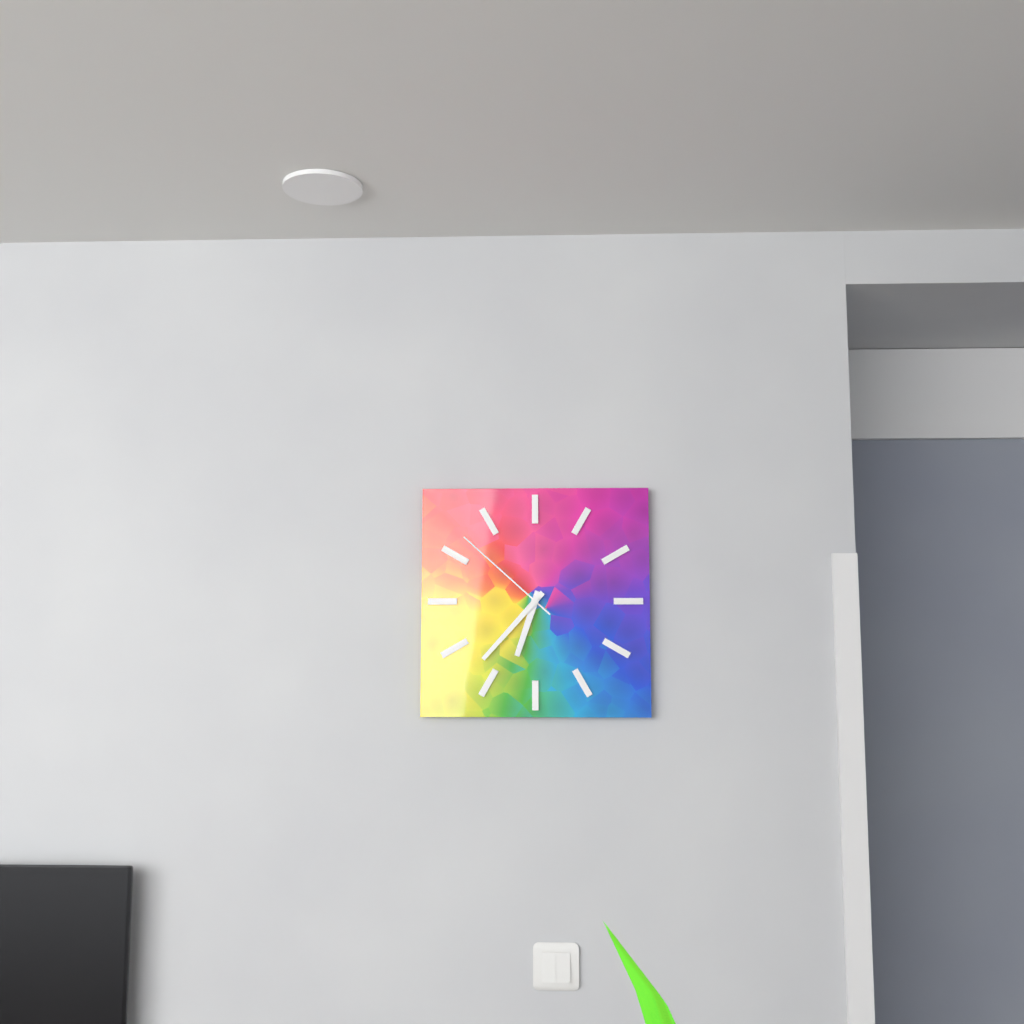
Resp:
**6:37:52**
